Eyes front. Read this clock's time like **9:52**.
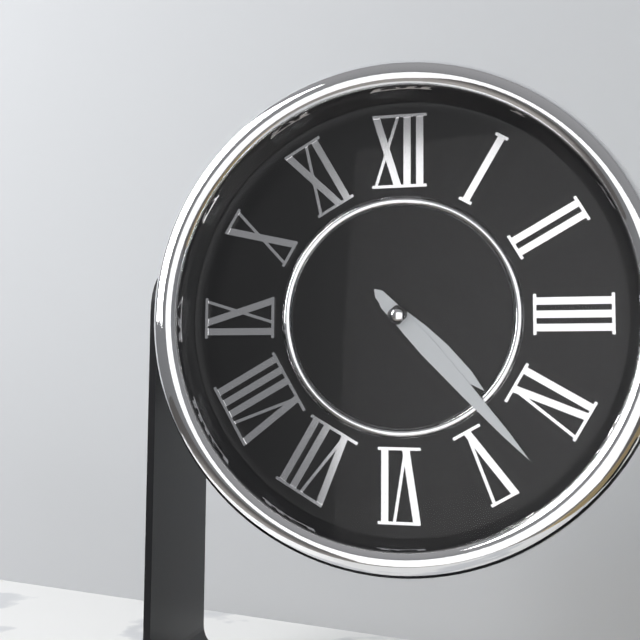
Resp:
**4:23**
